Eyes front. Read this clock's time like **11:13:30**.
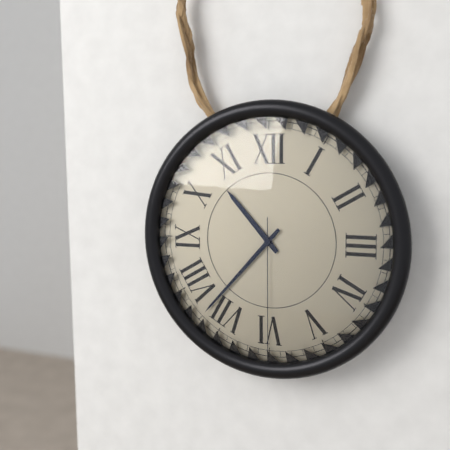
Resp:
**10:37:30**
